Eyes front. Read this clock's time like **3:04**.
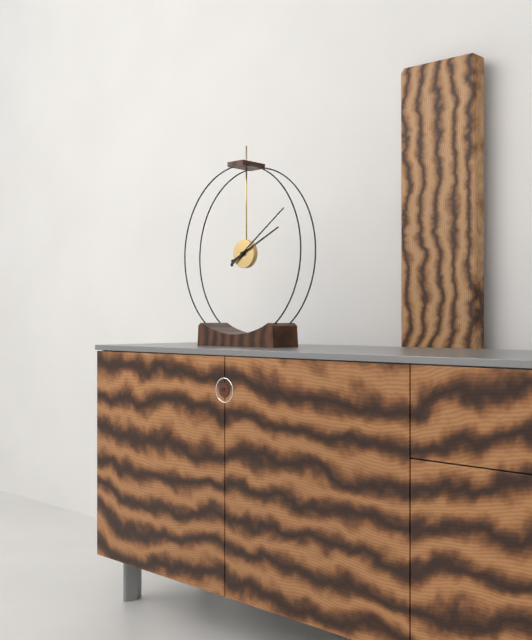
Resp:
**2:09**
